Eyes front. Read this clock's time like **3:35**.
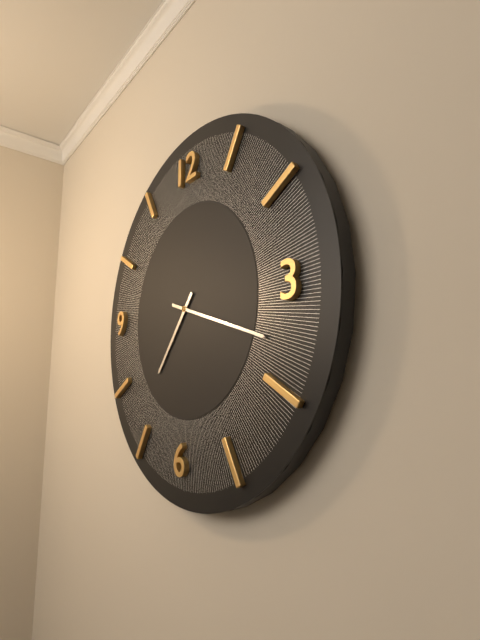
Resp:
**7:18**
